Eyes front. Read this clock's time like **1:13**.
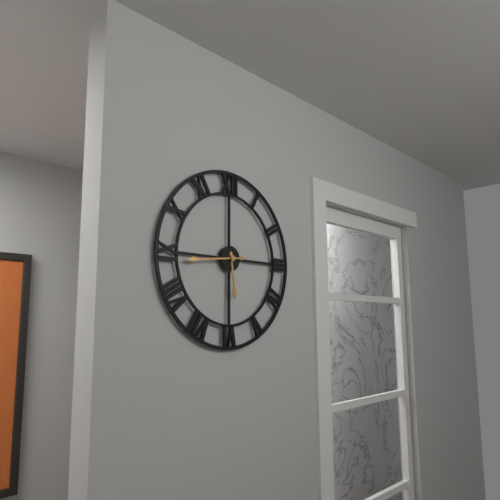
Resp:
**5:44**
